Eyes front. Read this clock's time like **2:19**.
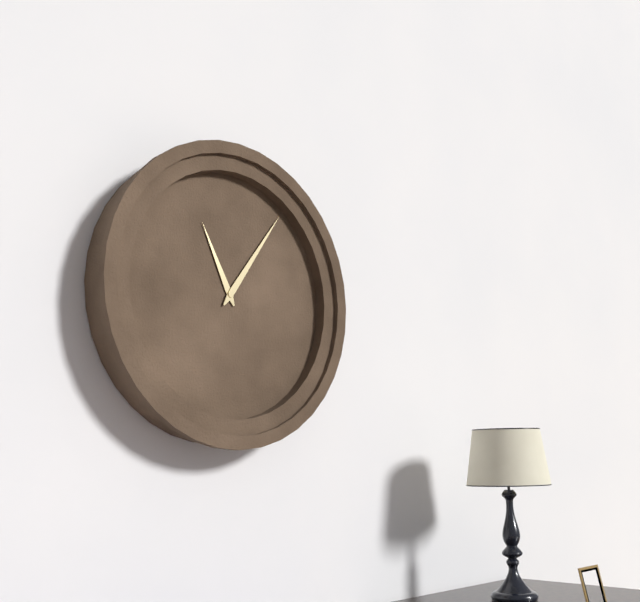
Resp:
**11:06**
